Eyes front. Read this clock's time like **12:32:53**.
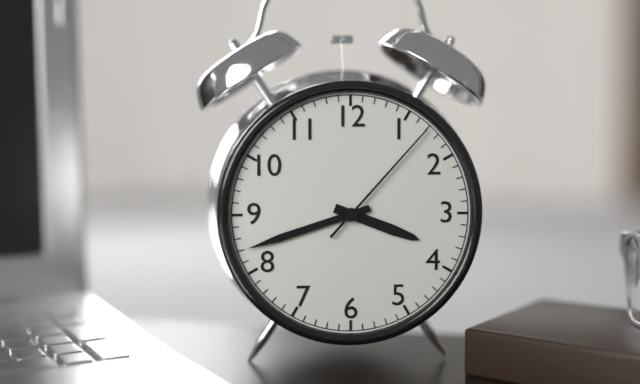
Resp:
**3:42:07**
